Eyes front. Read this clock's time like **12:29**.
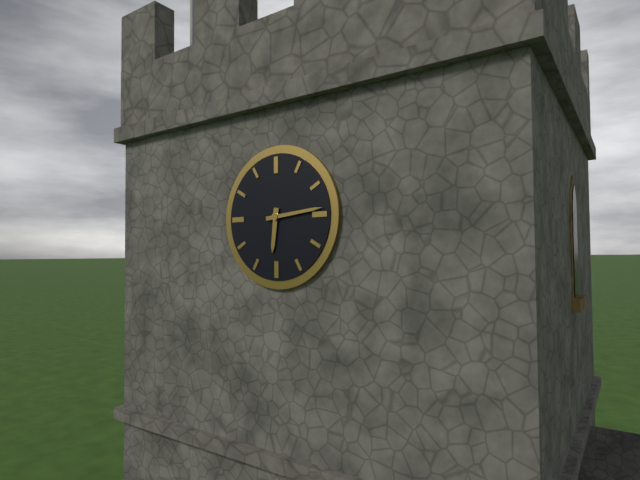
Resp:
**6:14**
